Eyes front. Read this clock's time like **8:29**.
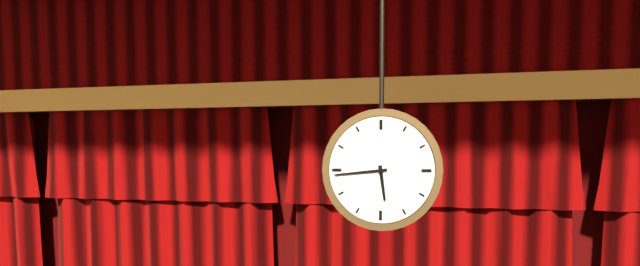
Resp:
**5:44**
